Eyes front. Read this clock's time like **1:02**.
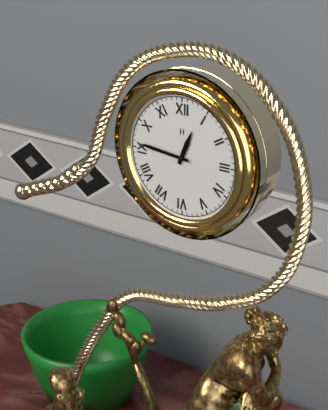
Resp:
**12:46**
